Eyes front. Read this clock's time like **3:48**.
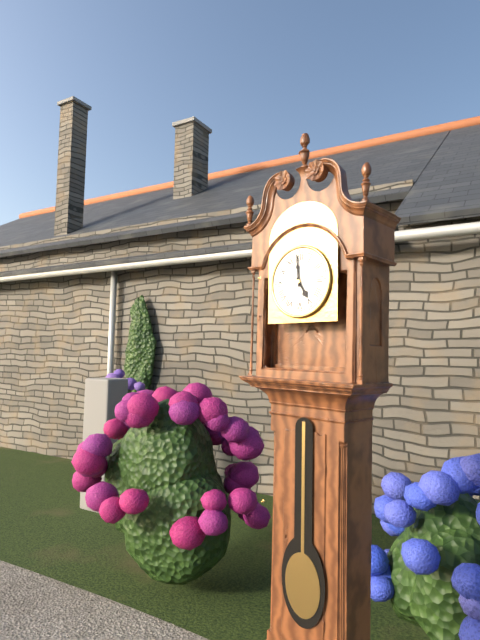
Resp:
**4:59**
